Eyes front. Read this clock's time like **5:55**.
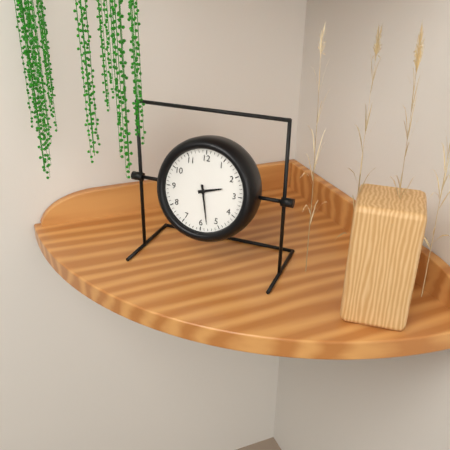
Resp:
**2:28**
